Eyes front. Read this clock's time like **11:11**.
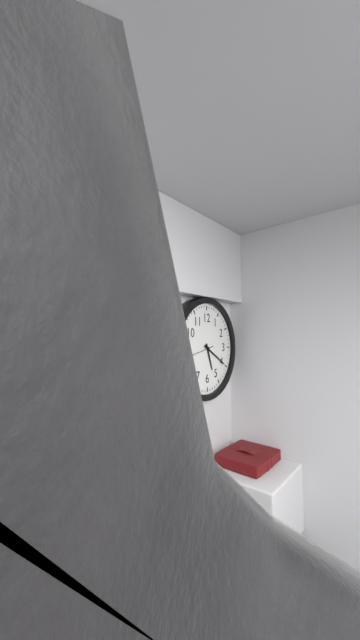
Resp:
**5:20**
